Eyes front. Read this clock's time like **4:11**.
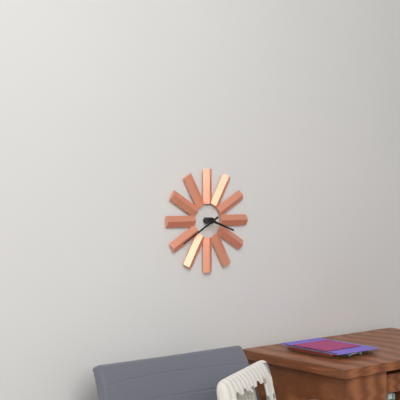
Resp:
**3:40**
